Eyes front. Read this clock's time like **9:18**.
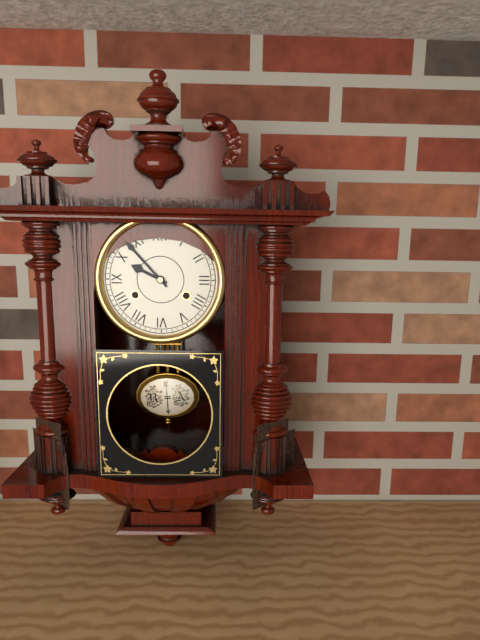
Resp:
**9:53**
